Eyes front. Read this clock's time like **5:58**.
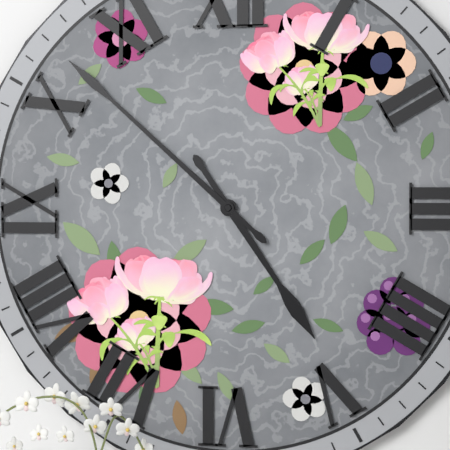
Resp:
**4:52**
